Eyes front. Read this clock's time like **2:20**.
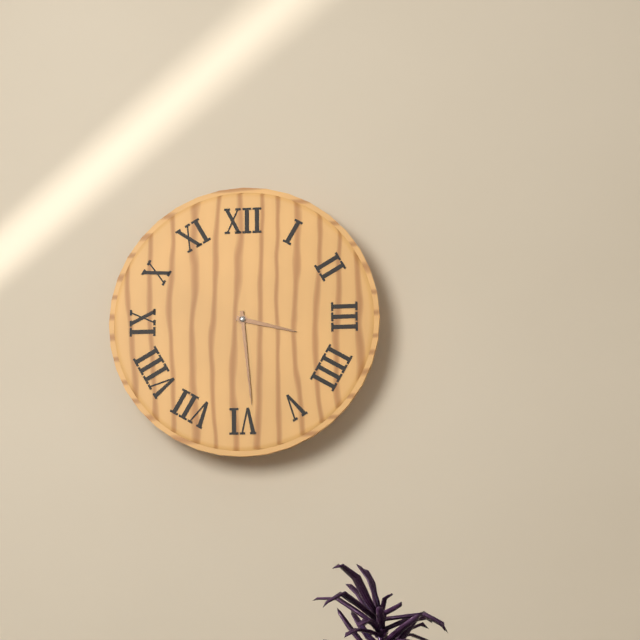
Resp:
**3:29**
